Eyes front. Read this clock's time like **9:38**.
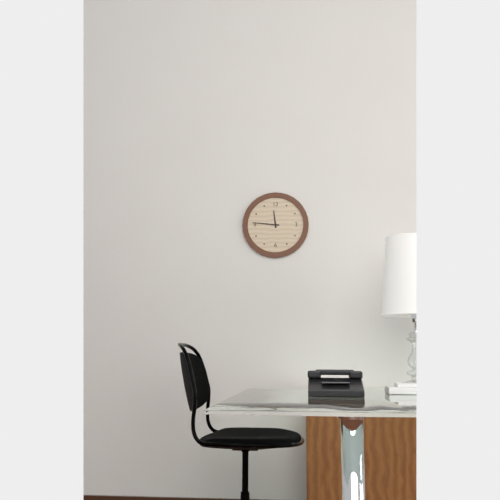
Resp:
**11:46**
